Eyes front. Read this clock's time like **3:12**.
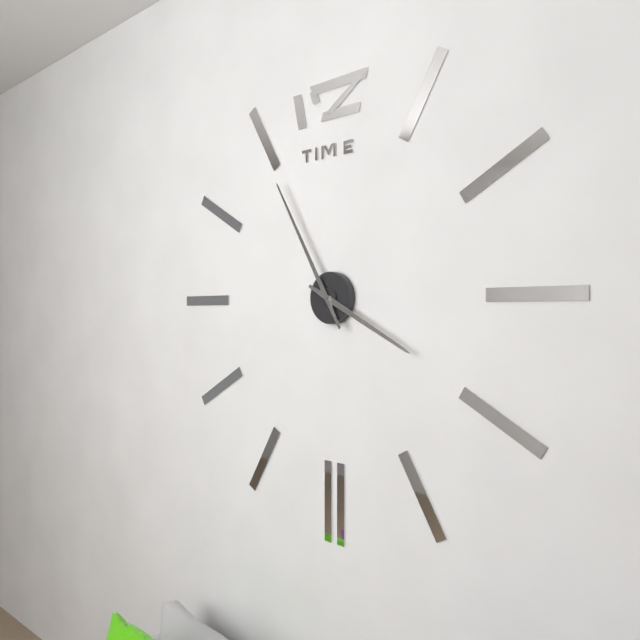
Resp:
**3:55**
